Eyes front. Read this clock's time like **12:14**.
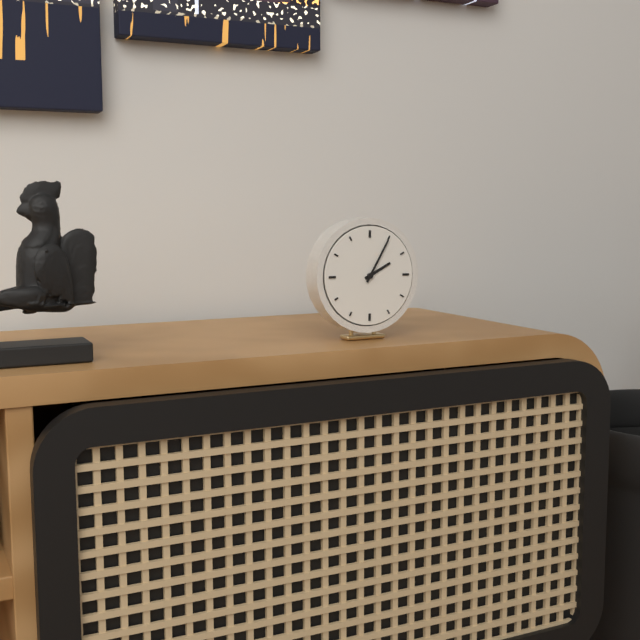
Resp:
**2:05**
